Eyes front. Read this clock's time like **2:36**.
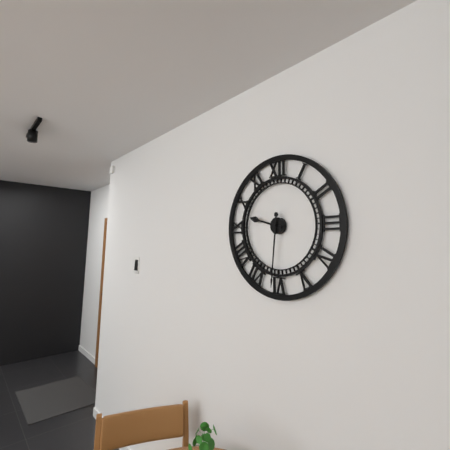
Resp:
**9:31**
